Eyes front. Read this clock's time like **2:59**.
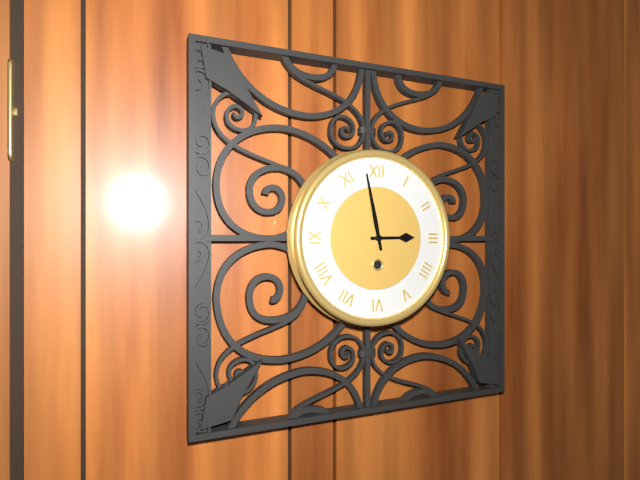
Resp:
**2:58**
